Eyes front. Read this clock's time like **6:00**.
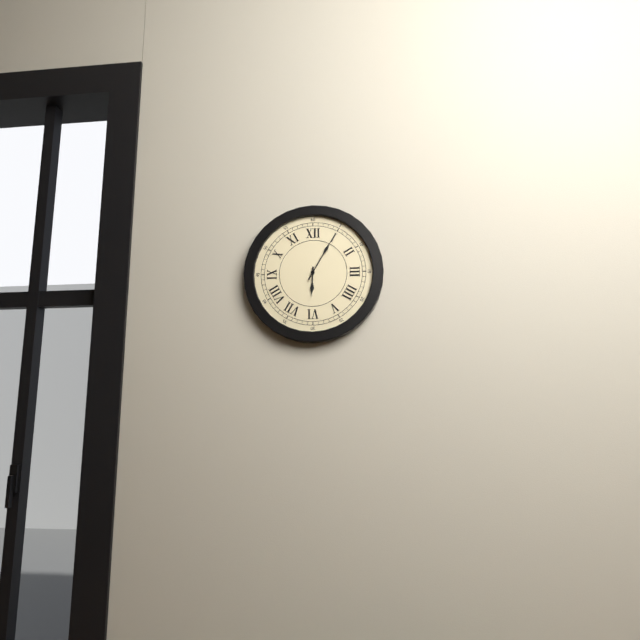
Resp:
**6:05**
